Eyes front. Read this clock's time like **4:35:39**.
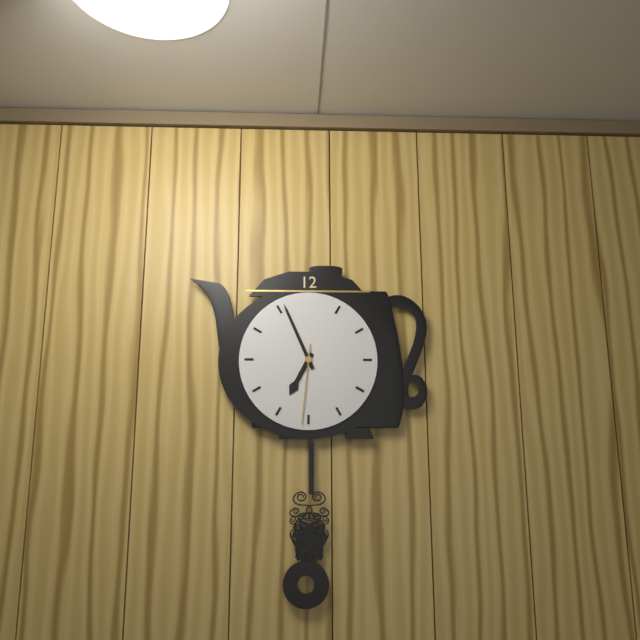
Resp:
**6:56:31**
